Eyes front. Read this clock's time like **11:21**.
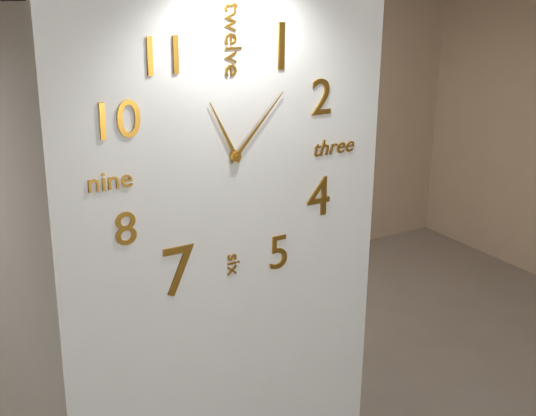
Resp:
**11:07**
